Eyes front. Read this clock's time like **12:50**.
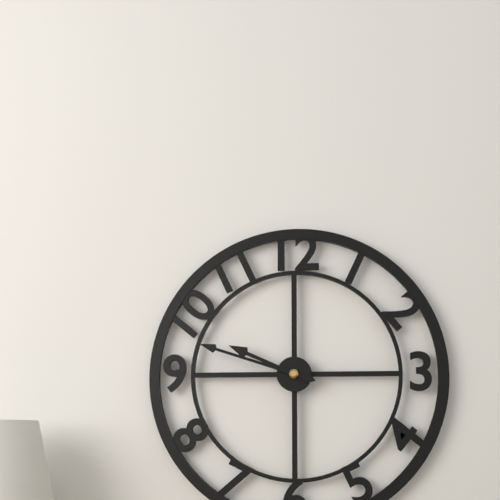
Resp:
**9:48**
